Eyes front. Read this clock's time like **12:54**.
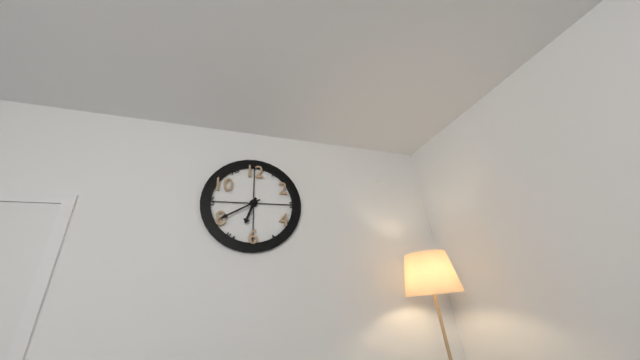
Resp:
**6:40**
